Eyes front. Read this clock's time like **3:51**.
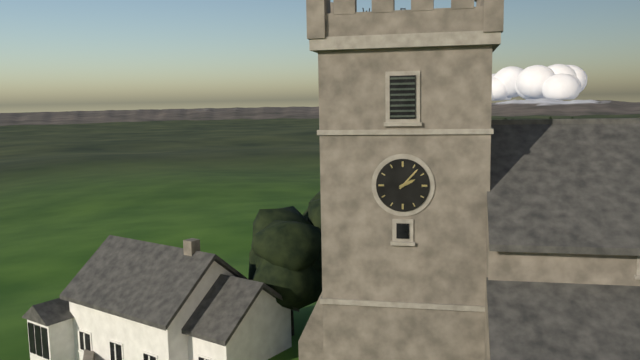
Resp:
**2:07**
